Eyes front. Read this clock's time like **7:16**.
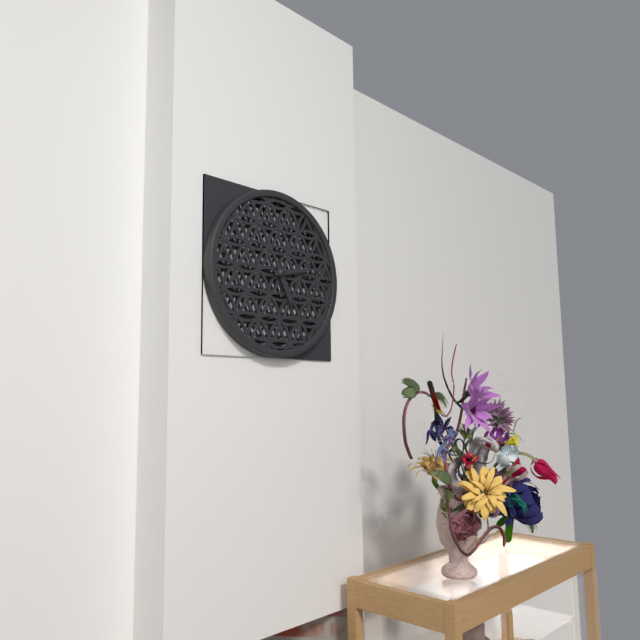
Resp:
**5:13**
